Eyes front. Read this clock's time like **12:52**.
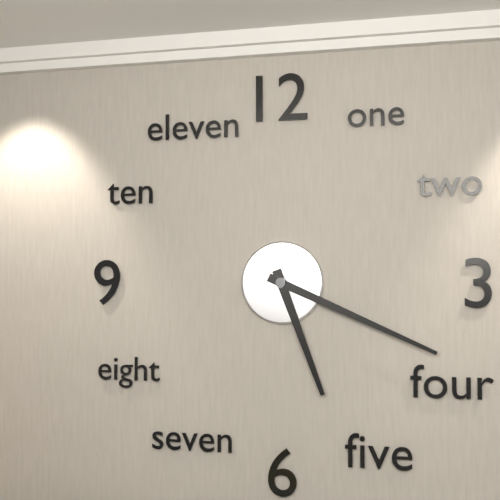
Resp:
**5:19**
